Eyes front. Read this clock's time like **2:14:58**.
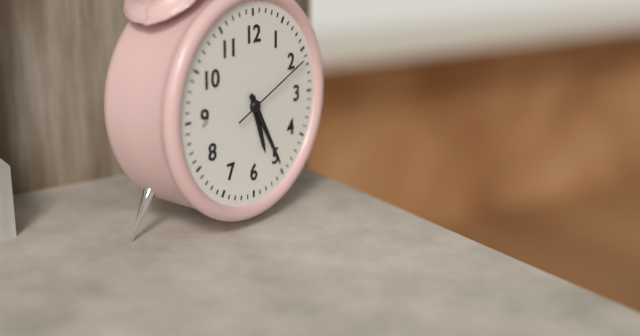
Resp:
**5:25:11**
